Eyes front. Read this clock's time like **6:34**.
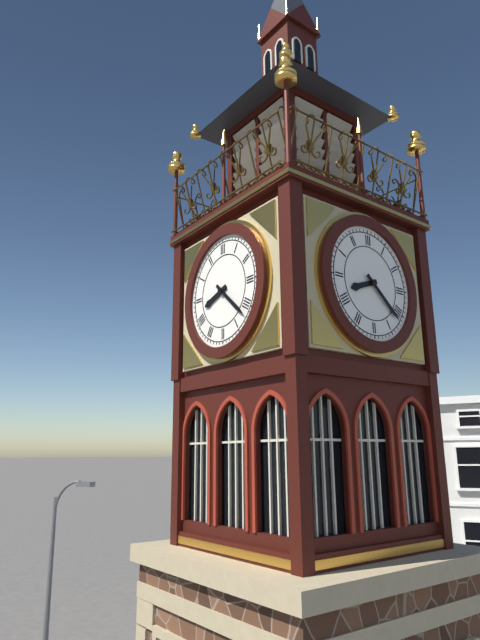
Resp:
**8:22**
